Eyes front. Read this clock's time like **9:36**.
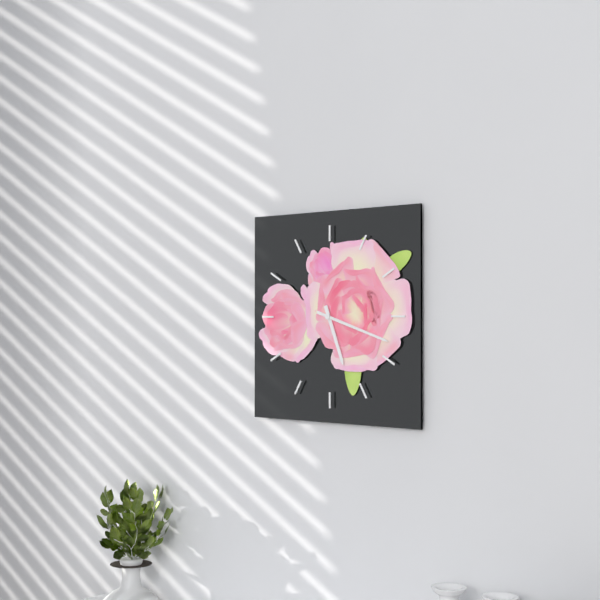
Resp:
**5:18**
